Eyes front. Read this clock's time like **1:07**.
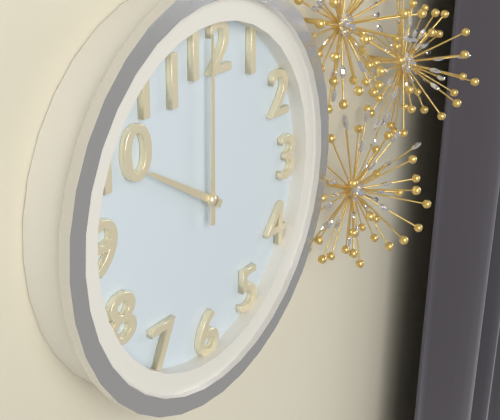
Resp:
**10:00**
